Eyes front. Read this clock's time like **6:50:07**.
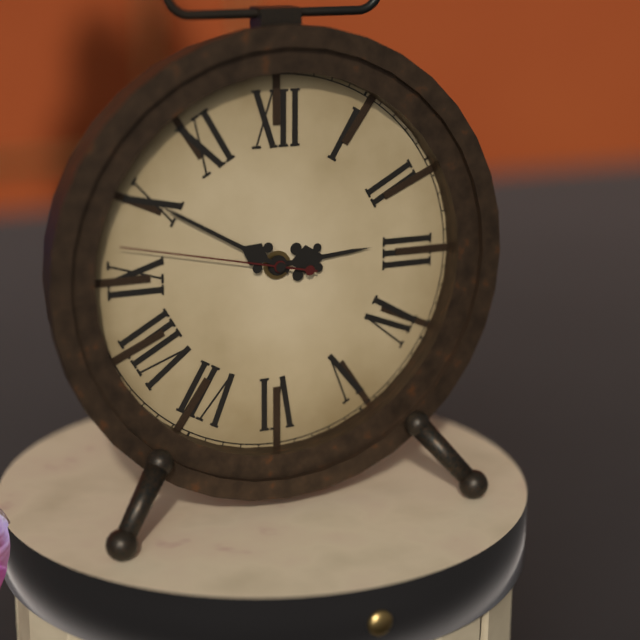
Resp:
**2:50:47**
